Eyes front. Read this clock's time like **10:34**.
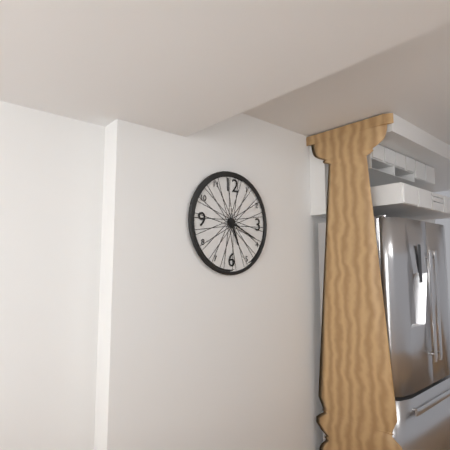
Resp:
**5:19**
